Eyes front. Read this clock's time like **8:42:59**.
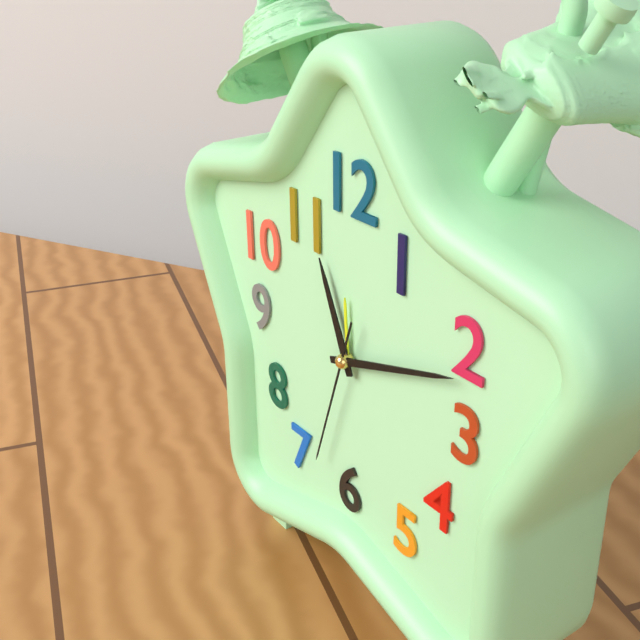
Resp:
**11:12:33**
